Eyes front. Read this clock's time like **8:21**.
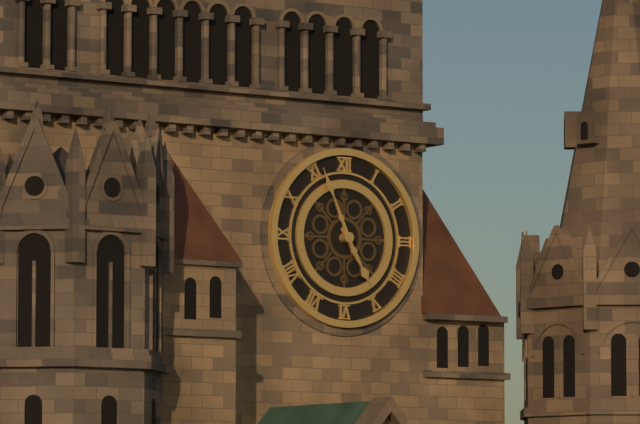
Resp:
**4:56**
